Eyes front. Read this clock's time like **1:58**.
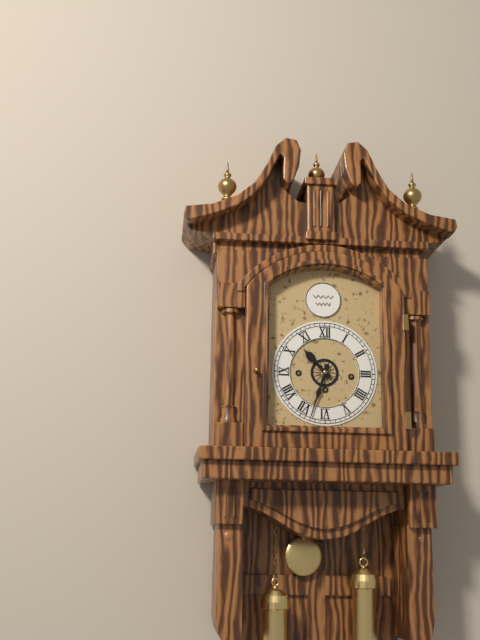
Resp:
**10:33**
